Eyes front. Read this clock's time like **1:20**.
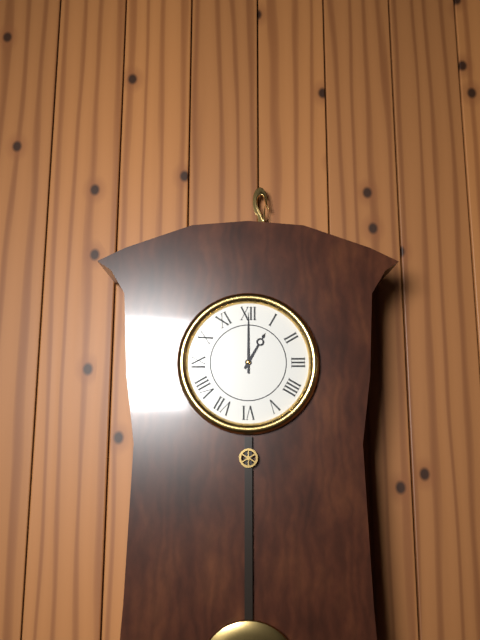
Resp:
**1:00**
